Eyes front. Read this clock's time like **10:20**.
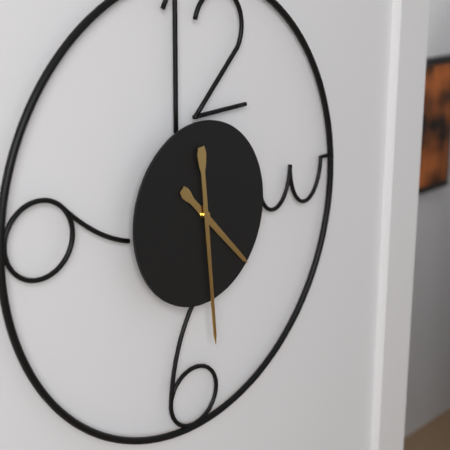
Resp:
**4:29**
